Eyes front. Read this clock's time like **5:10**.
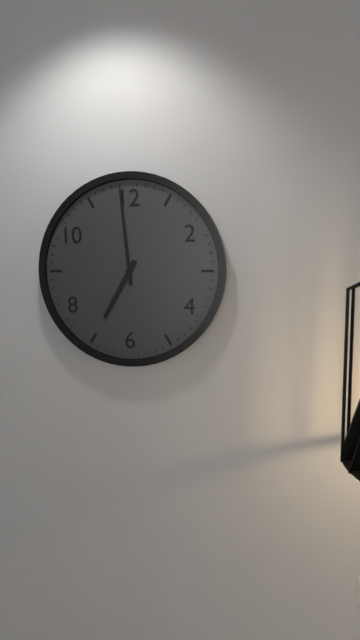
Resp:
**6:59**
